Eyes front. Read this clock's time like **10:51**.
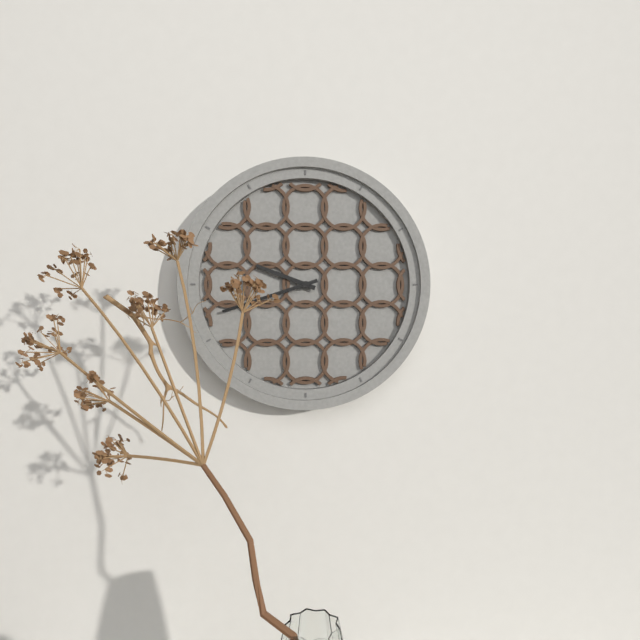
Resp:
**9:42**
